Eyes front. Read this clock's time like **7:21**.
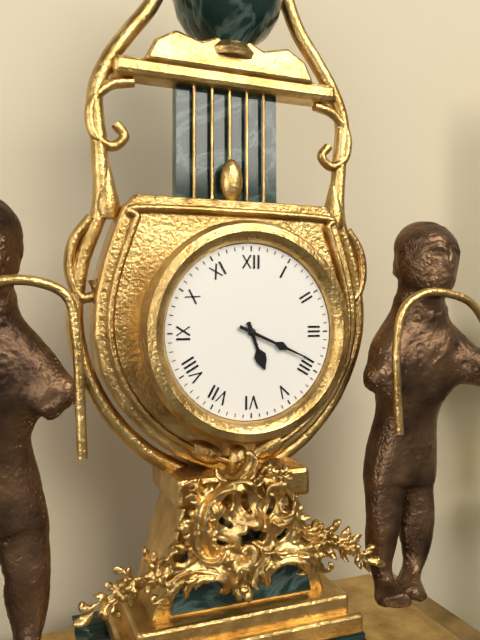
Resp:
**5:19**
